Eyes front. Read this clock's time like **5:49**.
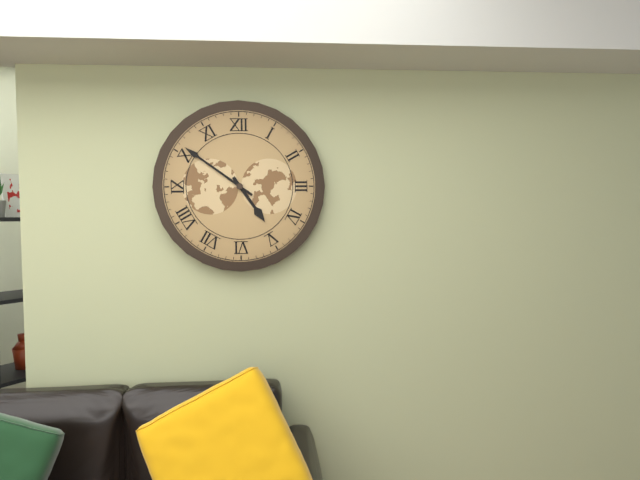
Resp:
**4:51**
